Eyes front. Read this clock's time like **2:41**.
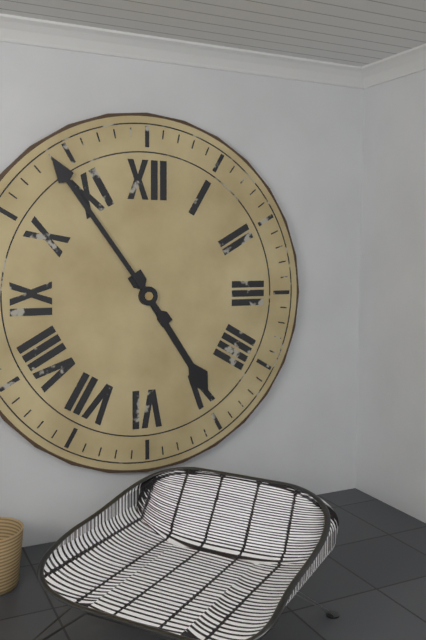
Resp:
**4:54**
